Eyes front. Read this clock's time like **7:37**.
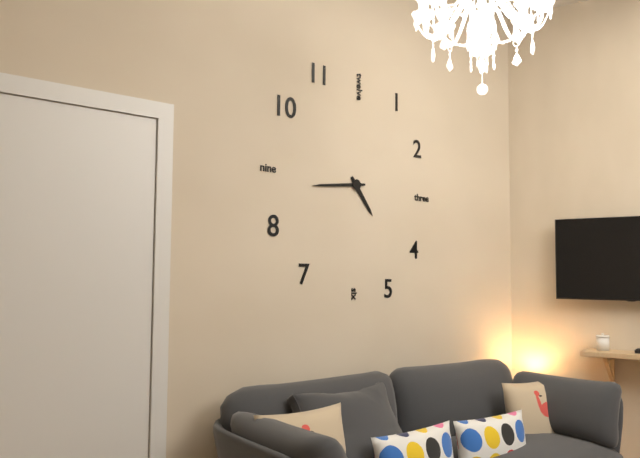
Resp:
**4:44**
